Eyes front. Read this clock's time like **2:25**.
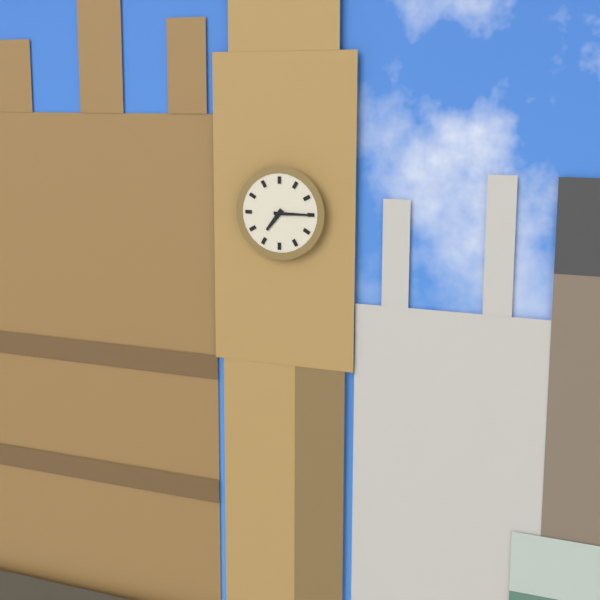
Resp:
**7:15**
